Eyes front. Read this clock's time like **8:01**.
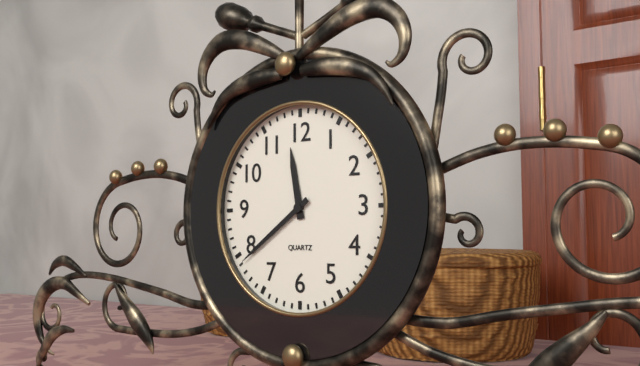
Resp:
**11:39**
